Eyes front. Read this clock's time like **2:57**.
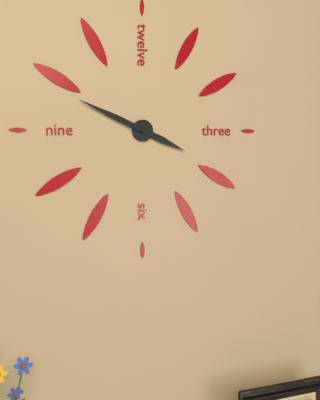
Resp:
**3:49**
